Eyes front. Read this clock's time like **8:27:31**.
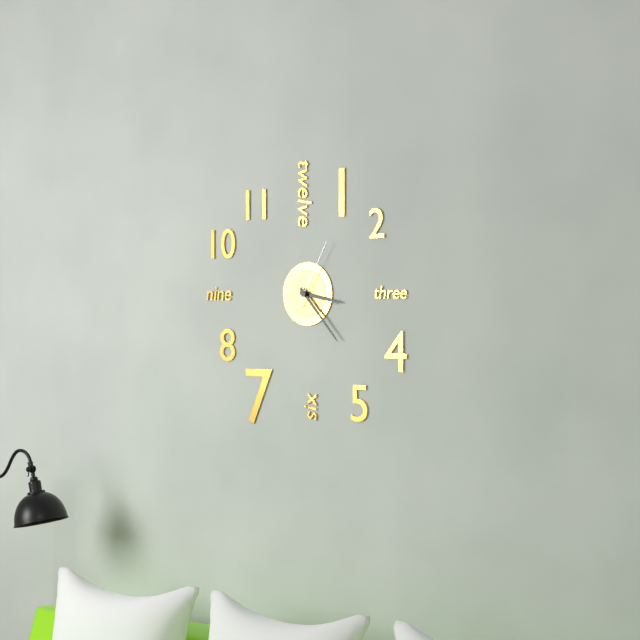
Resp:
**3:23:05**
